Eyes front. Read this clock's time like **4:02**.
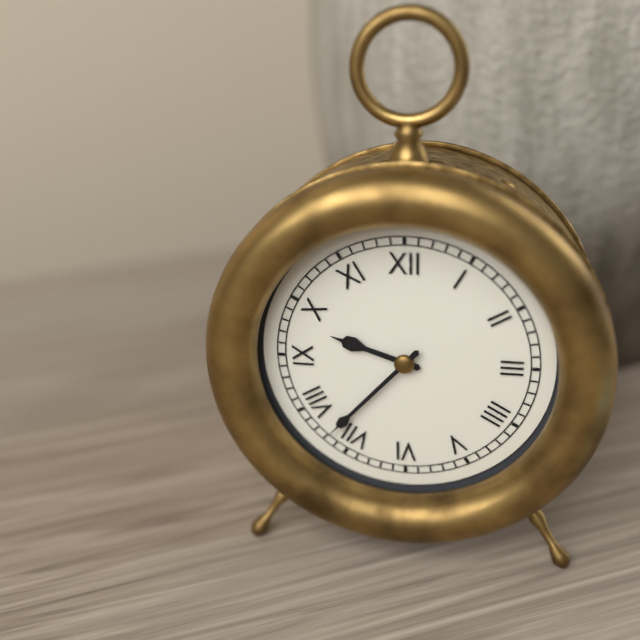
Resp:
**9:37**
